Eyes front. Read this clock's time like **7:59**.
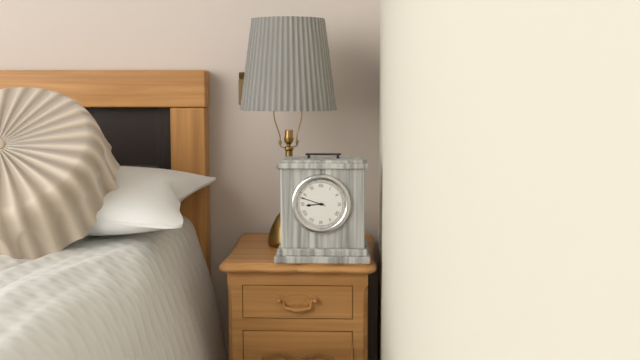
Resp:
**8:48**
